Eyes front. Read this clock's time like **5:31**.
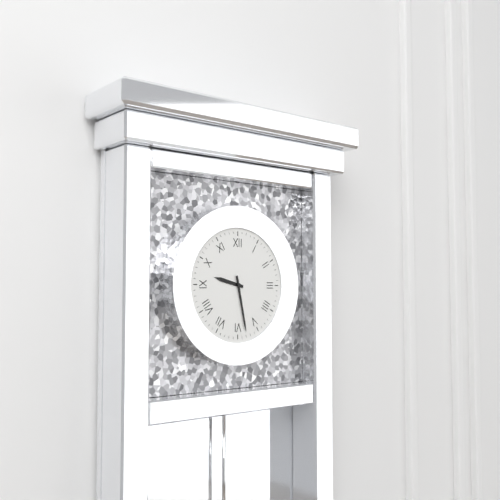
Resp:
**9:28**
